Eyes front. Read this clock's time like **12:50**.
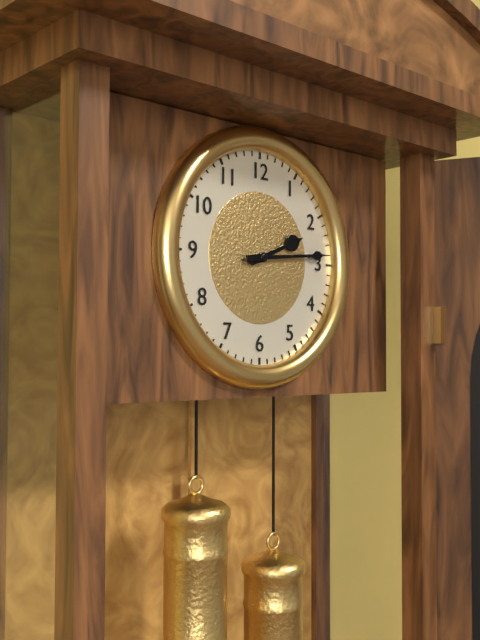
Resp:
**2:14**
